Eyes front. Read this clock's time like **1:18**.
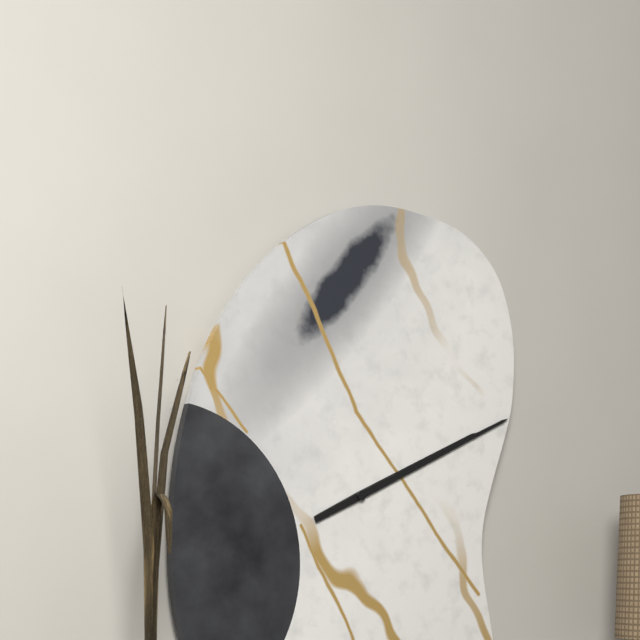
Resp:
**2:11**
